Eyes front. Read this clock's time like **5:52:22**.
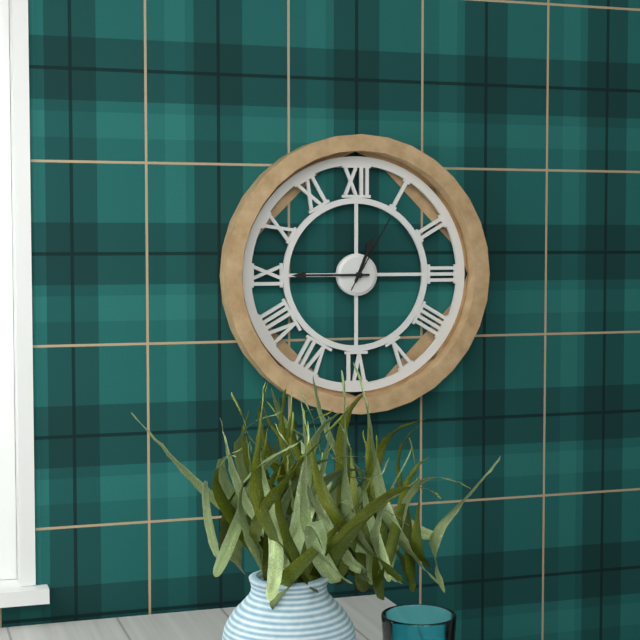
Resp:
**12:45:05**
